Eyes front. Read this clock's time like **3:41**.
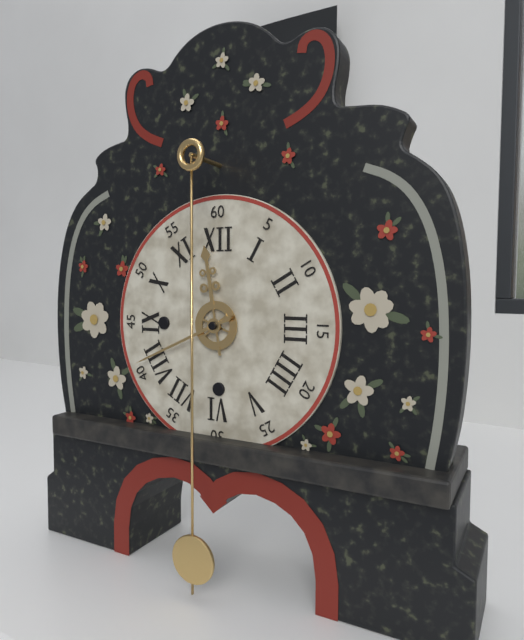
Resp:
**11:41**
